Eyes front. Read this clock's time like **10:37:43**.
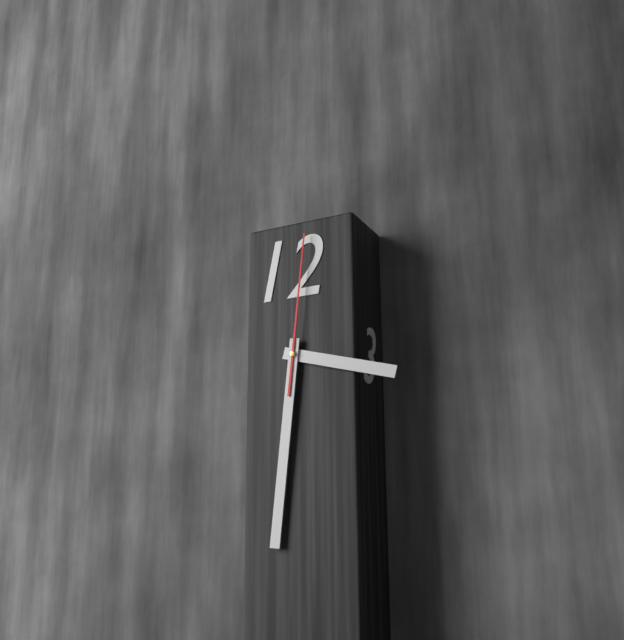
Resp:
**3:31:01**
